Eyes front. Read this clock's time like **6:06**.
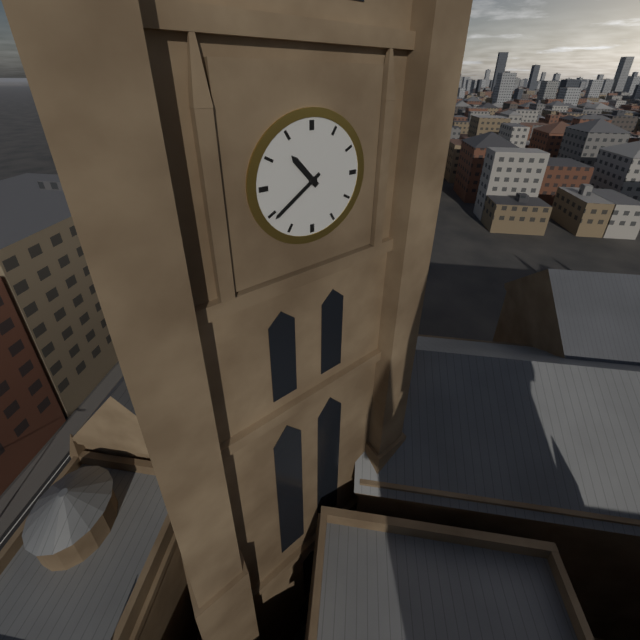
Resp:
**10:39**
